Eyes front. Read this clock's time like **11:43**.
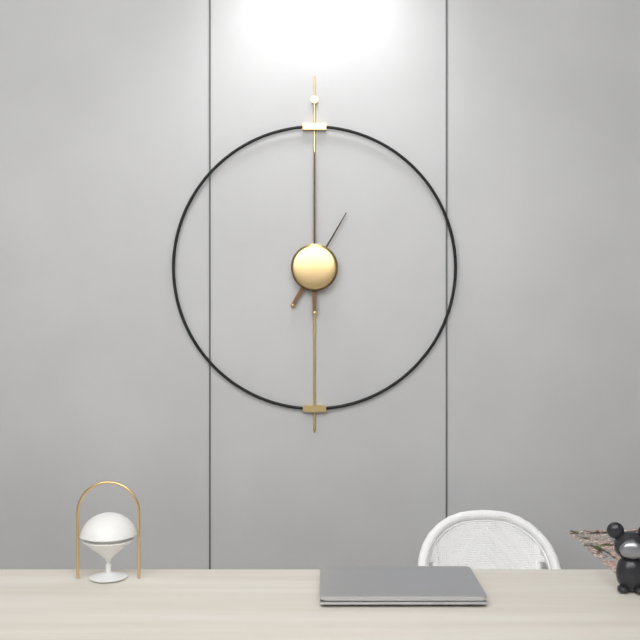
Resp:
**1:00**
